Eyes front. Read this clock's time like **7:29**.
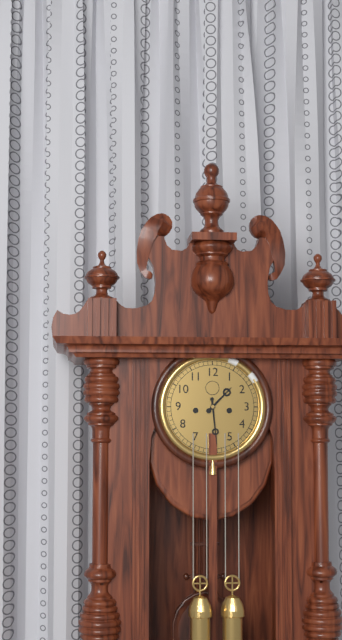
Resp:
**1:29**
